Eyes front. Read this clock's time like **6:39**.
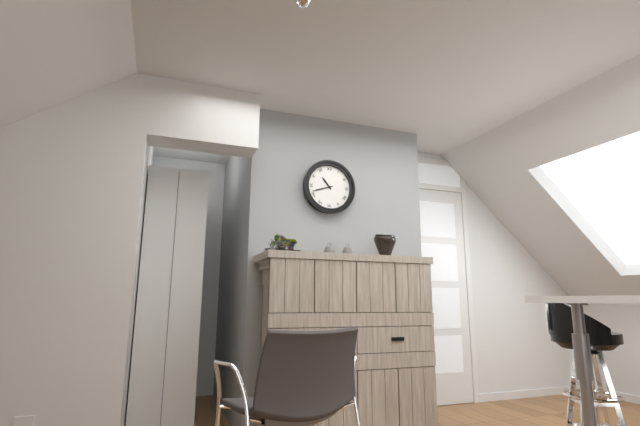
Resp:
**10:42**
